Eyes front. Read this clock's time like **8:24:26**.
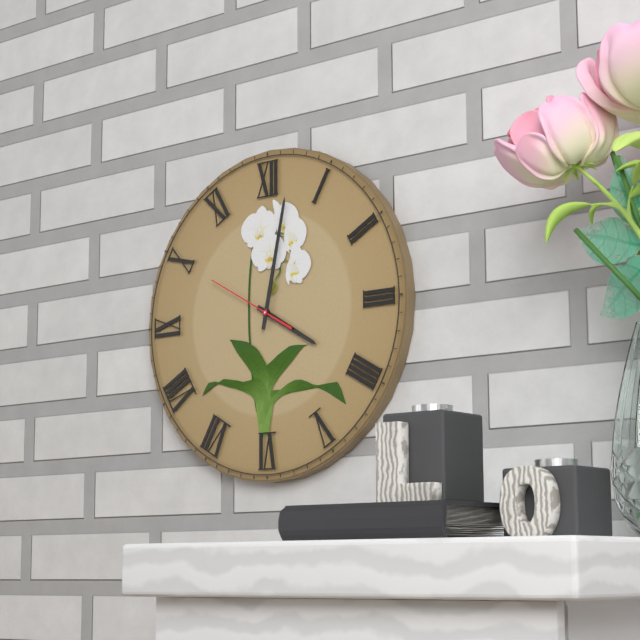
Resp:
**4:02:50**
